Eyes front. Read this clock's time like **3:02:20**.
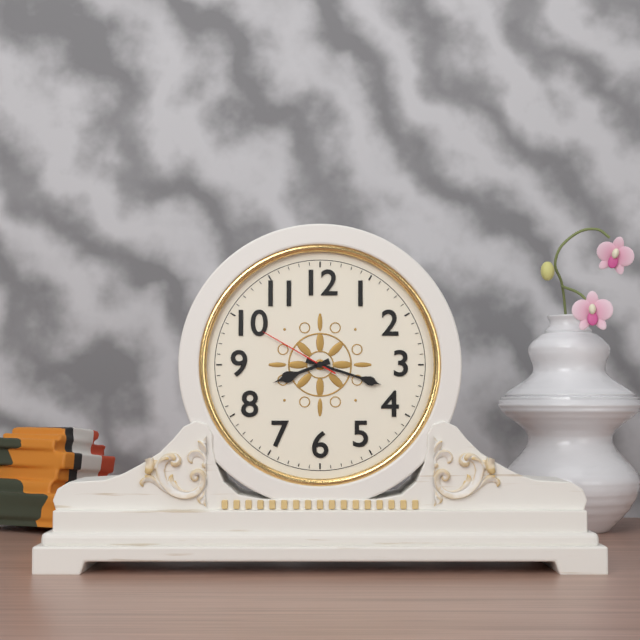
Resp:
**8:18:50**
